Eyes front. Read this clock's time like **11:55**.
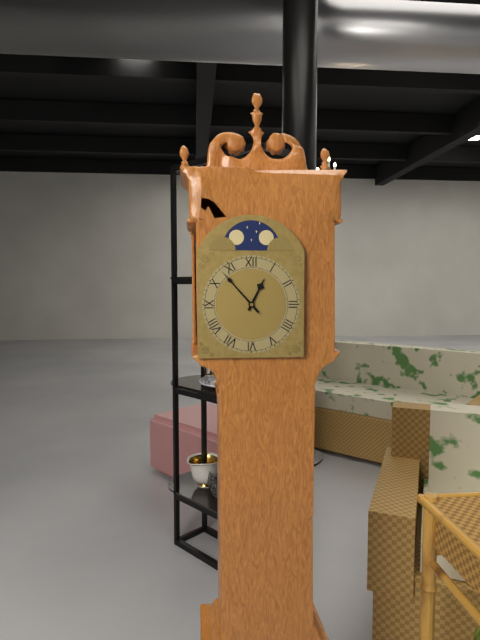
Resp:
**12:53**
